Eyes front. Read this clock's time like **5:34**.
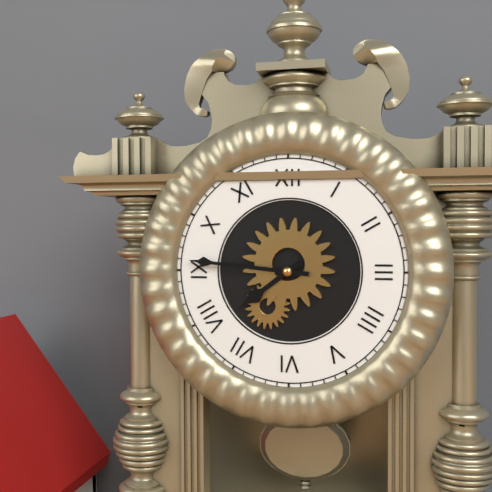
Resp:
**7:46**
